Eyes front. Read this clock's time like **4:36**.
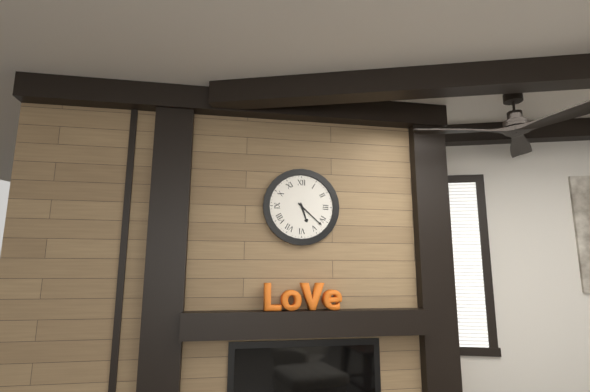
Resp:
**5:22**
